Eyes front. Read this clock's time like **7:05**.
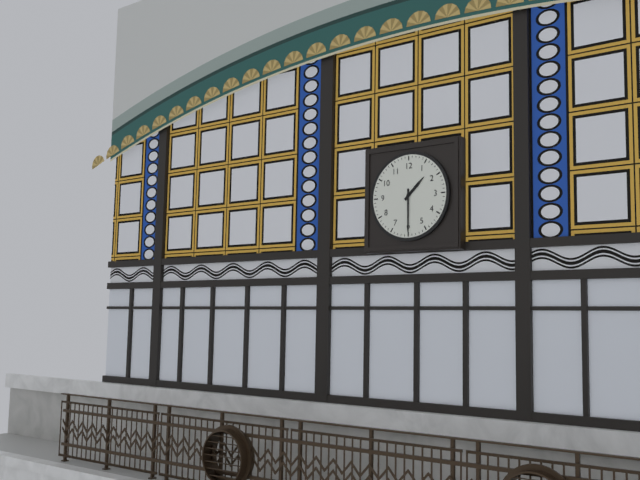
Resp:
**1:30**
